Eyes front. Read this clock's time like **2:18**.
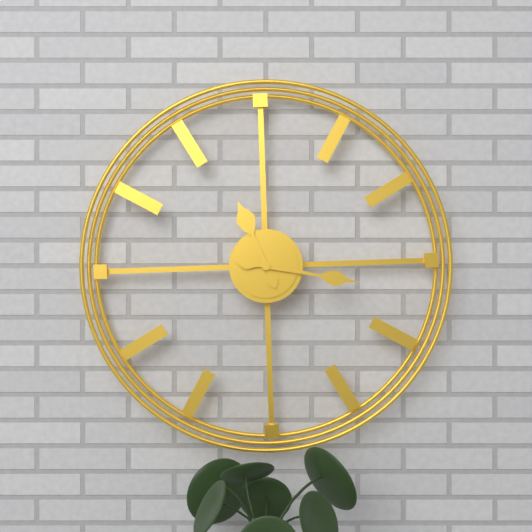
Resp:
**11:17**
